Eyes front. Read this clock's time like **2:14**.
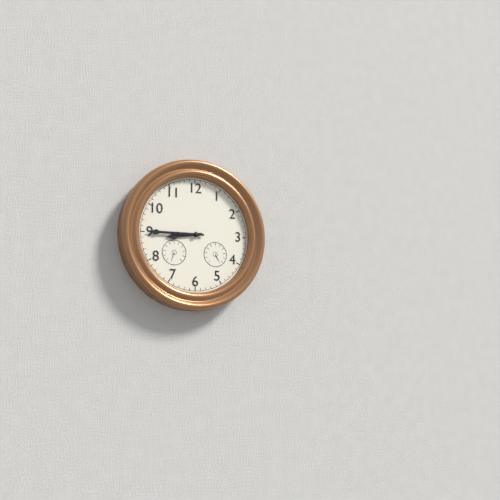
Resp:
**8:45**
